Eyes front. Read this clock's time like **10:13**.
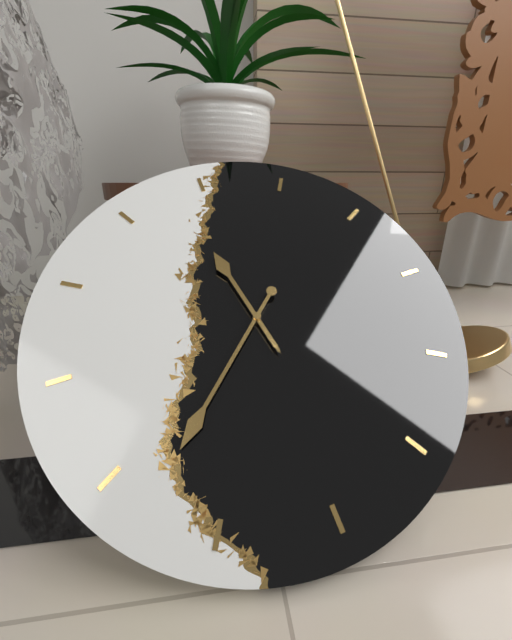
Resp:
**11:38**
